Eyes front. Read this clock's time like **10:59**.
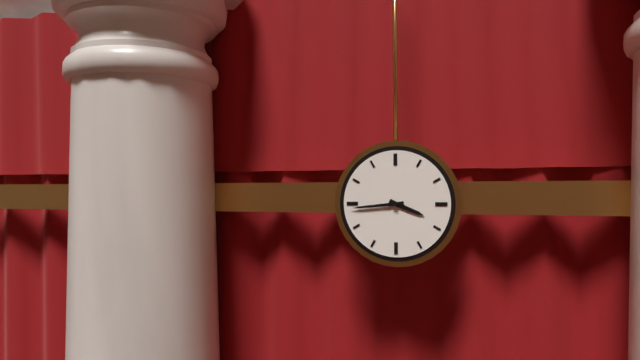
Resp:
**3:44**
